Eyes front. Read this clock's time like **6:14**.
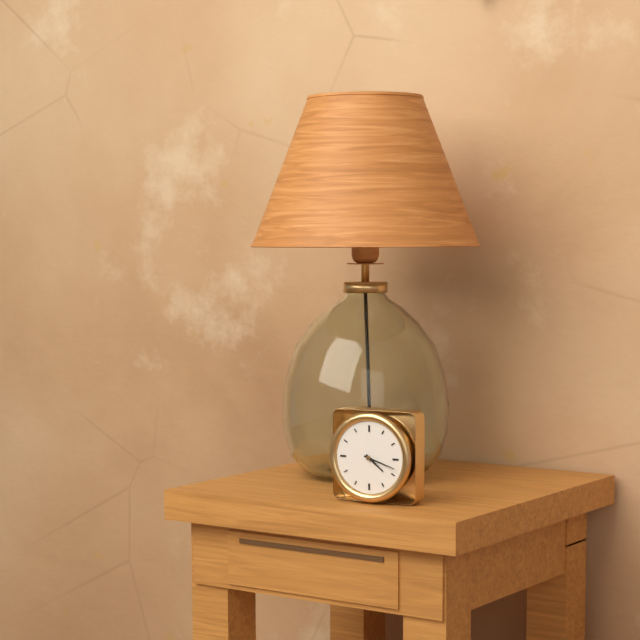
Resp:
**4:18**
